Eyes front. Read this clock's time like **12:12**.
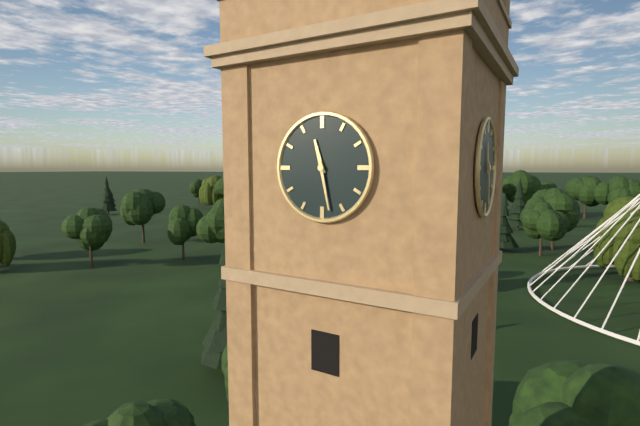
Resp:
**11:28**
